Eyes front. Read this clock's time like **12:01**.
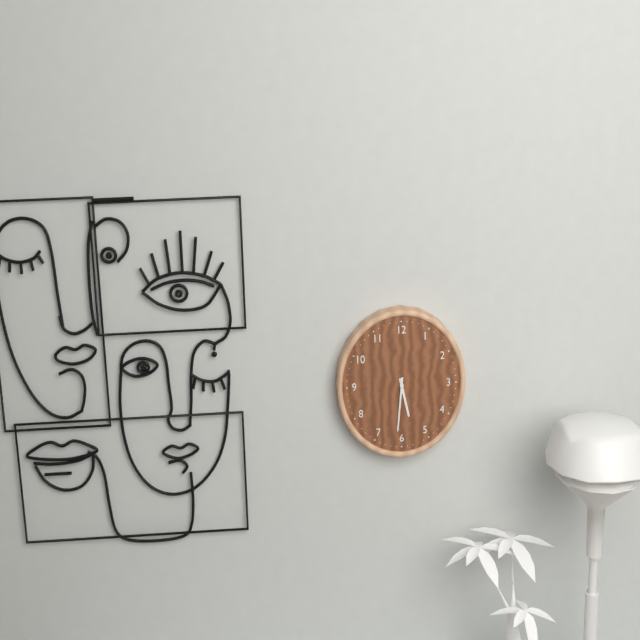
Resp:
**5:31**
